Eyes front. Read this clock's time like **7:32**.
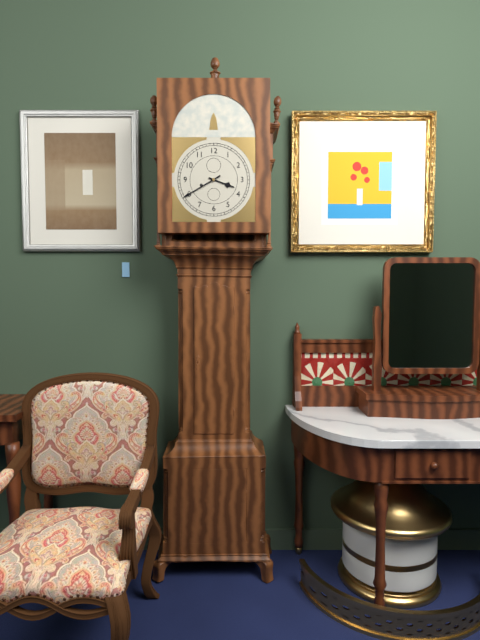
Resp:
**3:40**
